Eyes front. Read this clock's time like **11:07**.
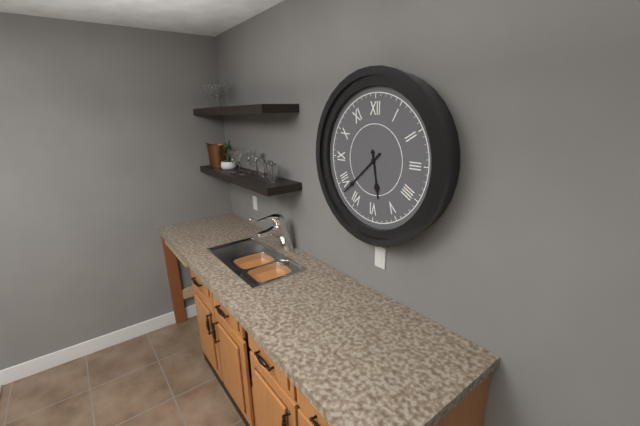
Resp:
**5:38**
